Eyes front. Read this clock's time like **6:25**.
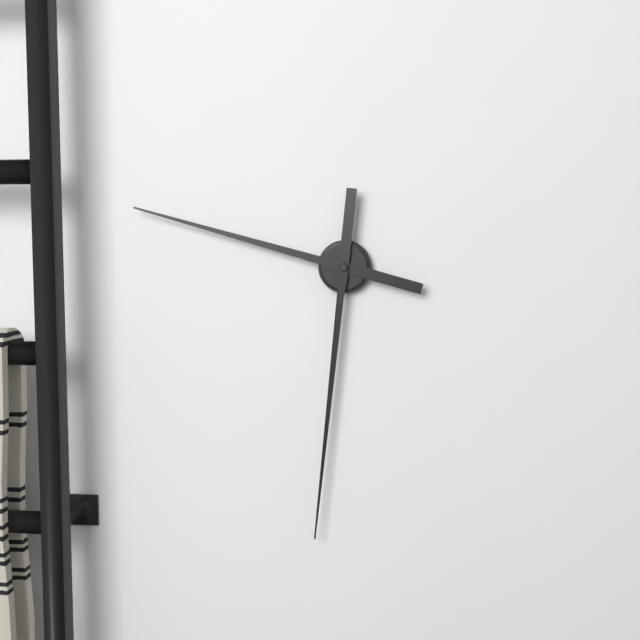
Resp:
**9:31**
